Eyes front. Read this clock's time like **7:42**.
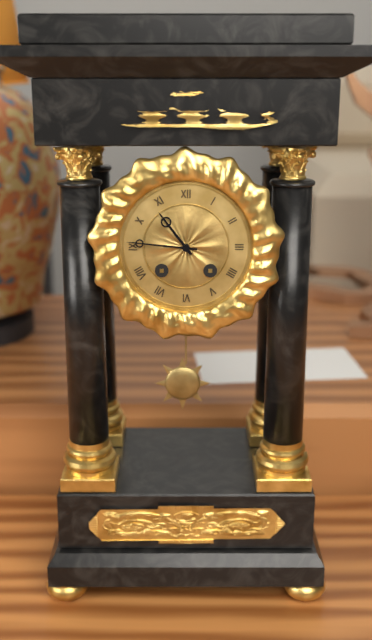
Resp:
**10:46**
